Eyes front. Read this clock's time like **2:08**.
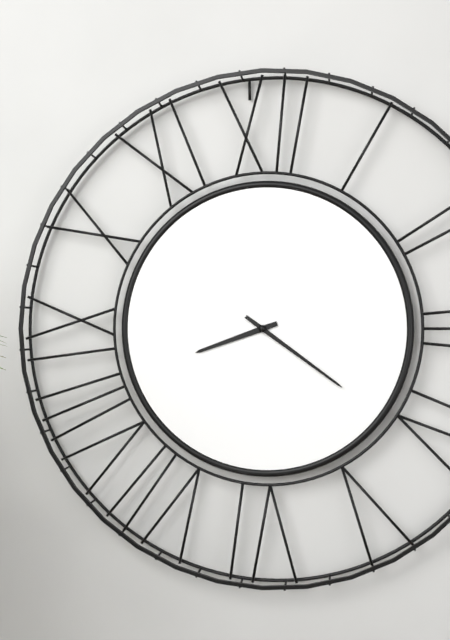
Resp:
**8:21**
